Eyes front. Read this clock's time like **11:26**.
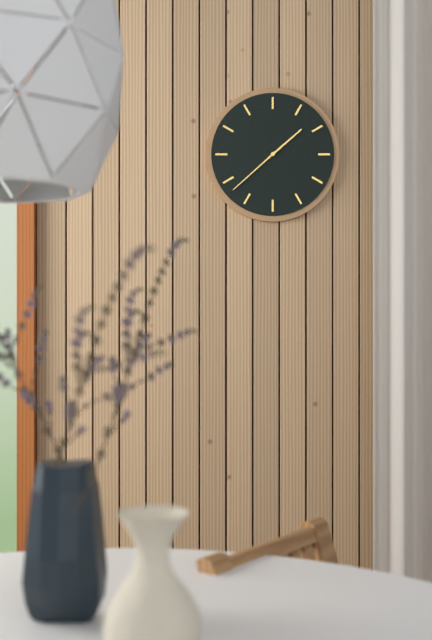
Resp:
**1:38**
